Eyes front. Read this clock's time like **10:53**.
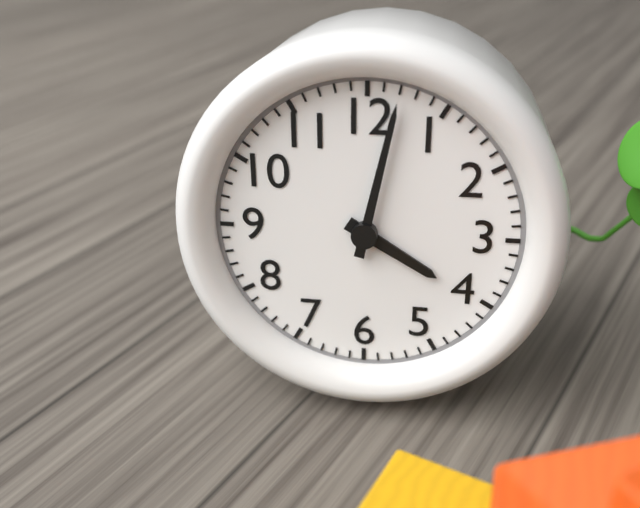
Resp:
**4:02**
